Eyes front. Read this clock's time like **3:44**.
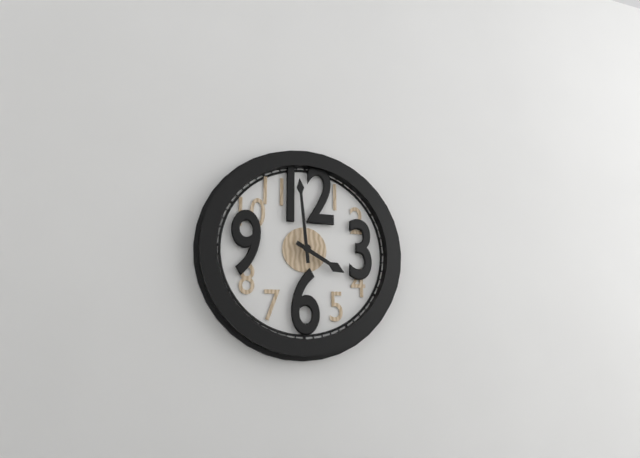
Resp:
**3:59**
